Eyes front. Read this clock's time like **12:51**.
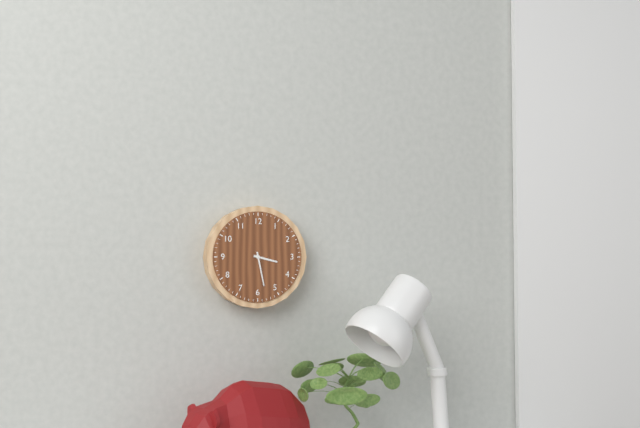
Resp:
**3:28**
